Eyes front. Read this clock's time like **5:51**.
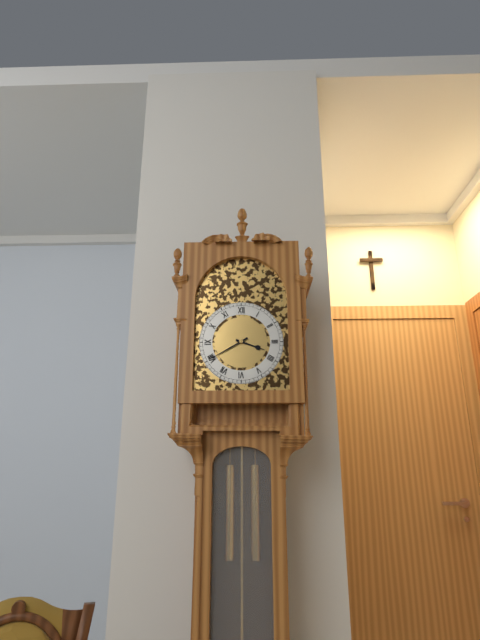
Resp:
**3:40**
